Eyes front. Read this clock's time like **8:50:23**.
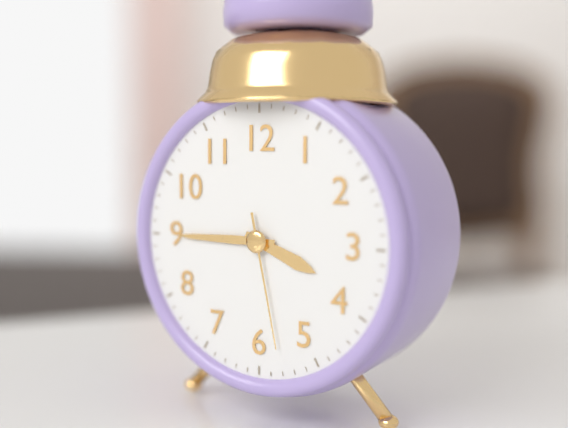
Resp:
**3:45:28**
